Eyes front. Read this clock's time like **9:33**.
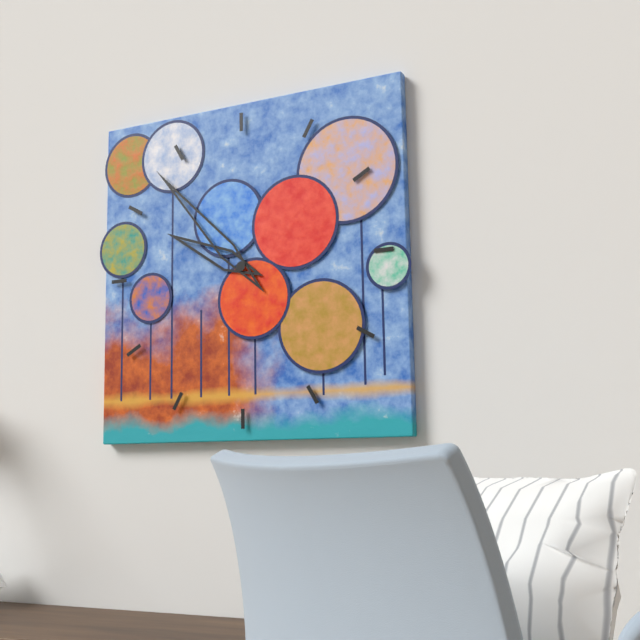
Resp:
**9:53**
